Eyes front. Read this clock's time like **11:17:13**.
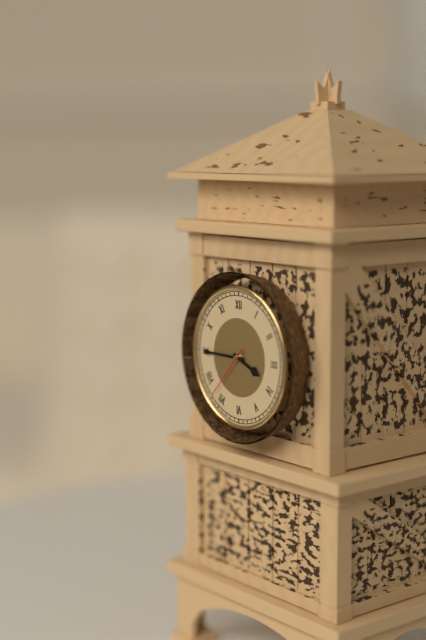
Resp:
**3:45:37**
